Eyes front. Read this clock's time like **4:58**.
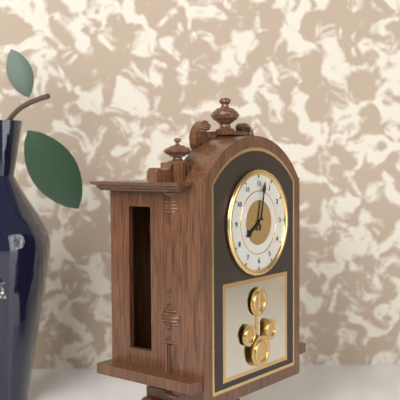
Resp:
**8:02**
